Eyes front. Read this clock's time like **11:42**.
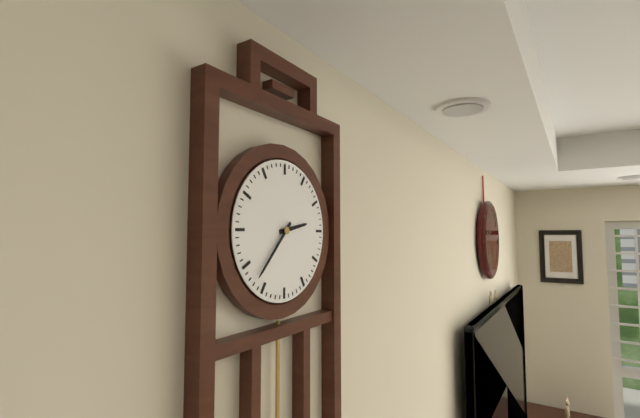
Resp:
**2:37**
